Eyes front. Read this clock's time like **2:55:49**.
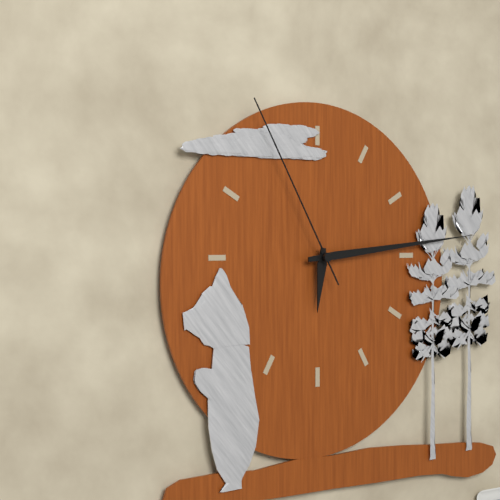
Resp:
**6:14:55**
